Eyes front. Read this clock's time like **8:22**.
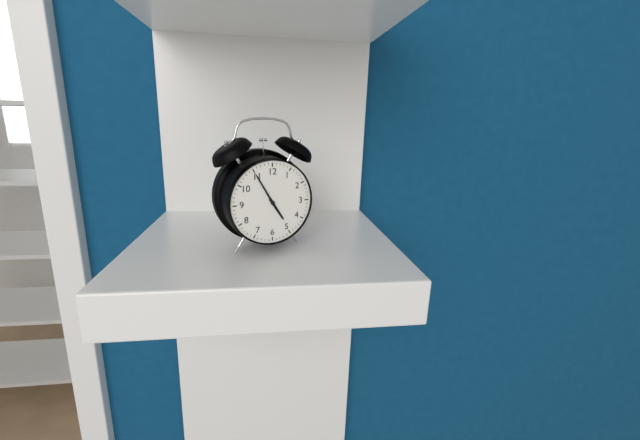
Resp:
**4:55**
